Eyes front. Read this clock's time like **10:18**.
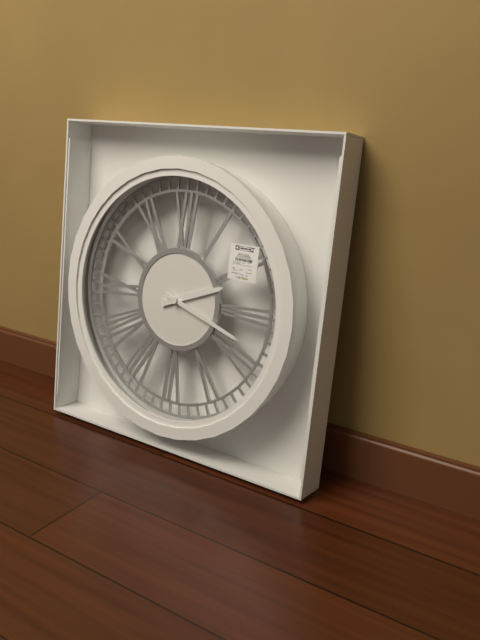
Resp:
**2:18**
